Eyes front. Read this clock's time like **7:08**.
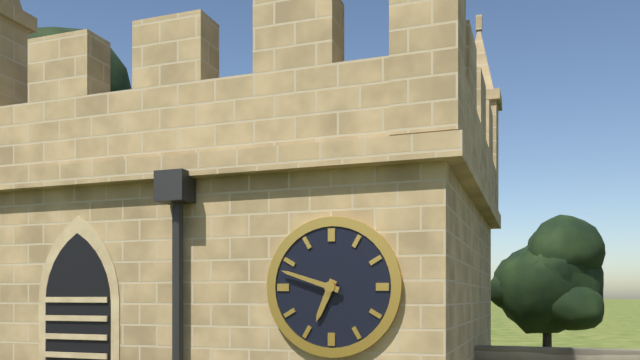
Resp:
**6:48**
